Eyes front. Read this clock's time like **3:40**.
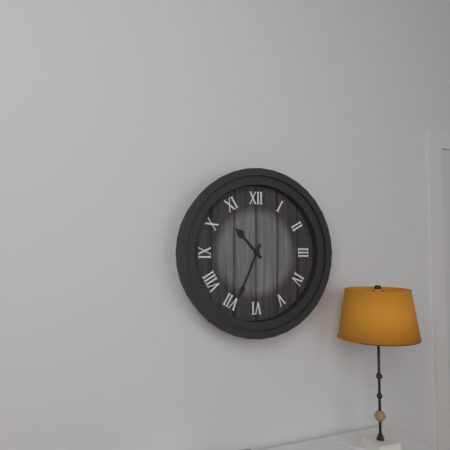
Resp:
**10:34**
